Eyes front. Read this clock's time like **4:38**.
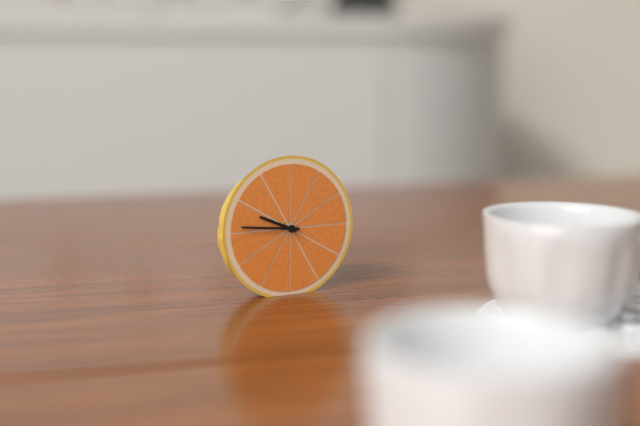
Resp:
**9:46**
